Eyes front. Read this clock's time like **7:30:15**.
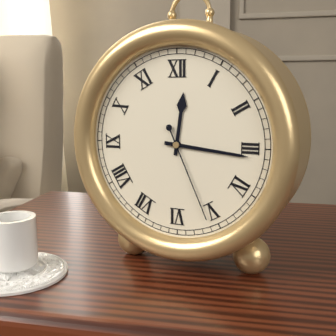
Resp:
**12:16:26**
